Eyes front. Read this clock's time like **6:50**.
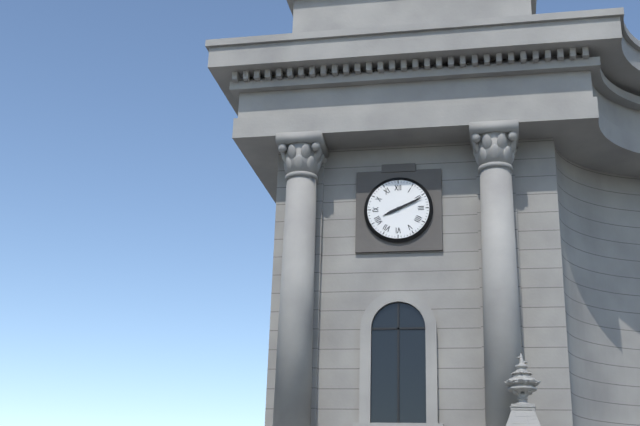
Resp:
**8:11**
